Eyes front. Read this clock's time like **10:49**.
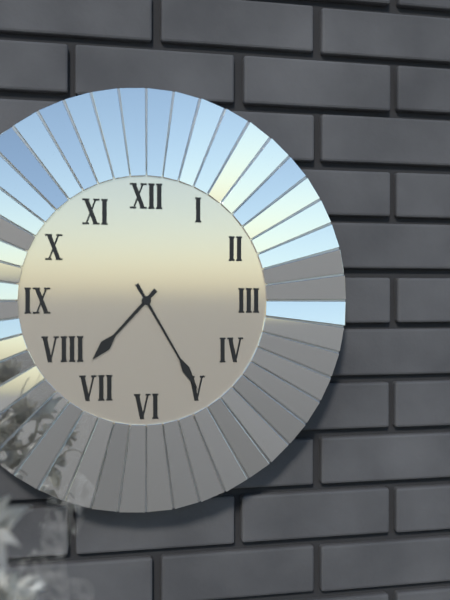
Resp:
**7:25**
